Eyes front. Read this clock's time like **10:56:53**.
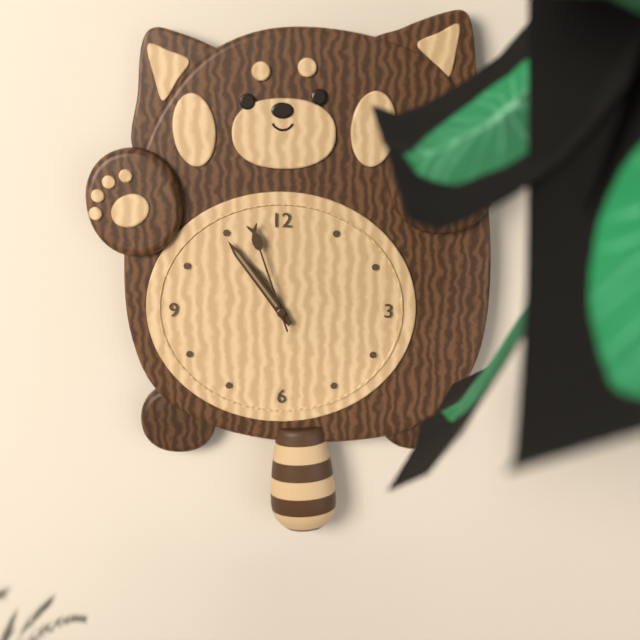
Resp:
**10:54:57**
